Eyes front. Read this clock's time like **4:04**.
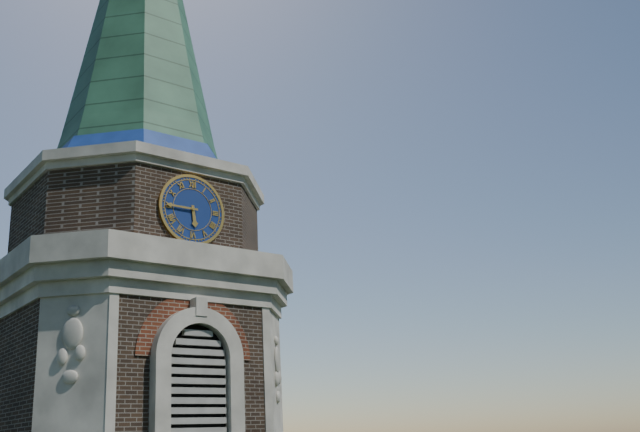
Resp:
**5:45**
